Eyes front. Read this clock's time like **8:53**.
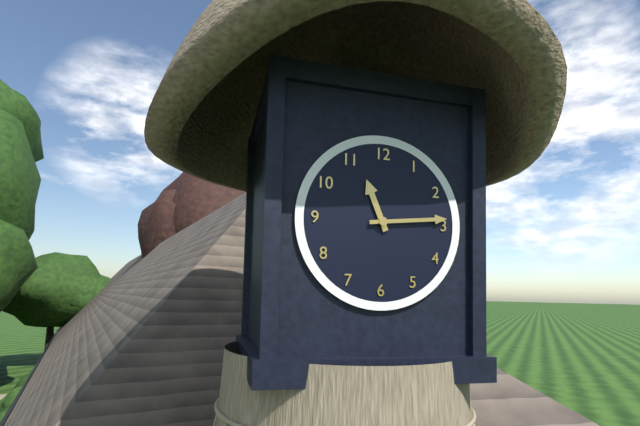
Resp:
**11:14**
